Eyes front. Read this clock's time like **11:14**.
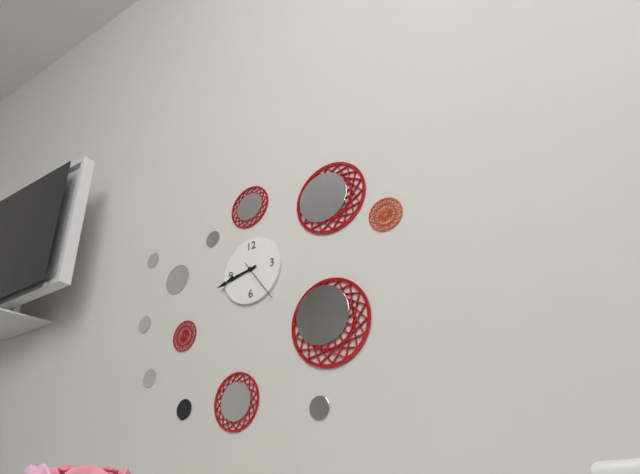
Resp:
**8:43**
